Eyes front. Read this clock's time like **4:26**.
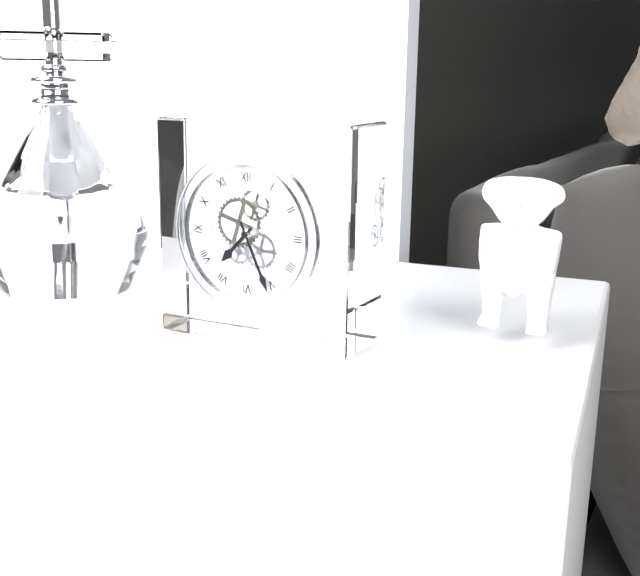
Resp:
**7:26**
